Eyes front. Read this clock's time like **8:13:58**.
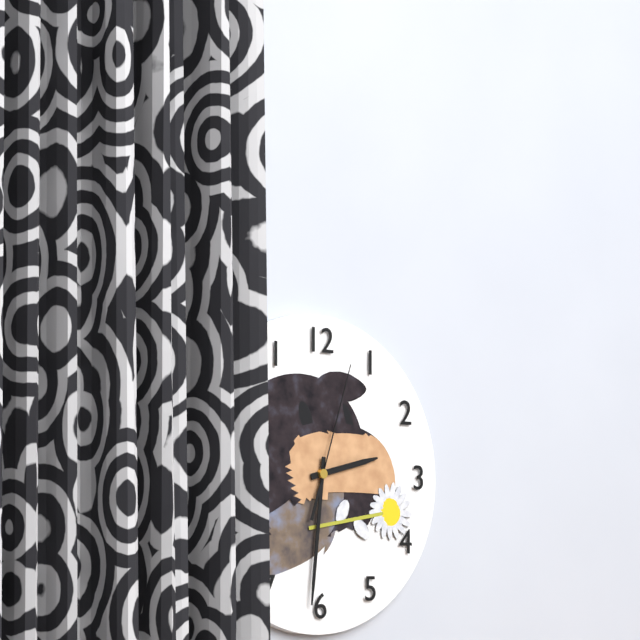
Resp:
**2:31:03**
